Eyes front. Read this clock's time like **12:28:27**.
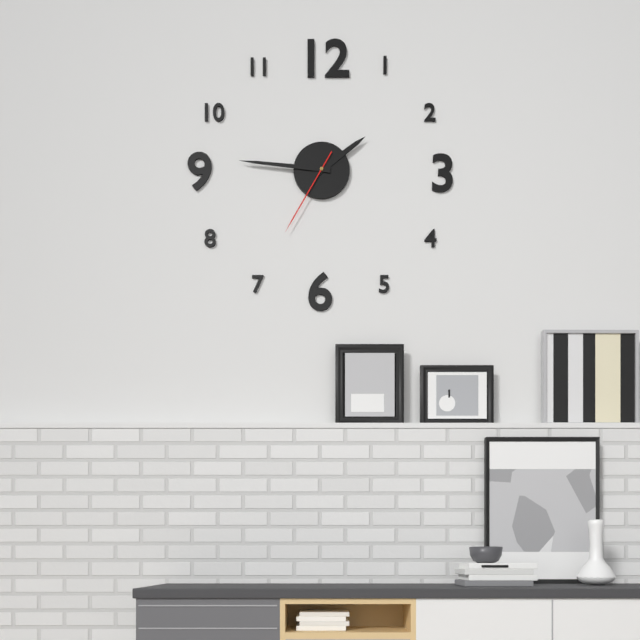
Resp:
**1:46:35**
